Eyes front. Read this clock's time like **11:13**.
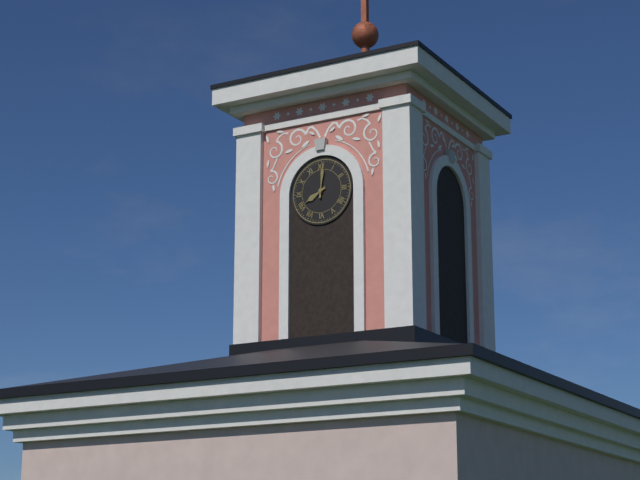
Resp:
**8:01**
